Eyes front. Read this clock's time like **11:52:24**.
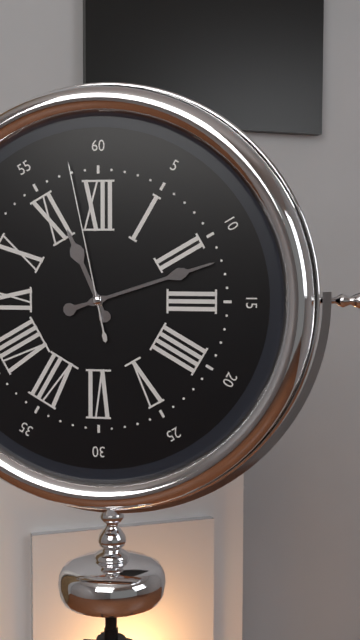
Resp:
**11:12:58**
